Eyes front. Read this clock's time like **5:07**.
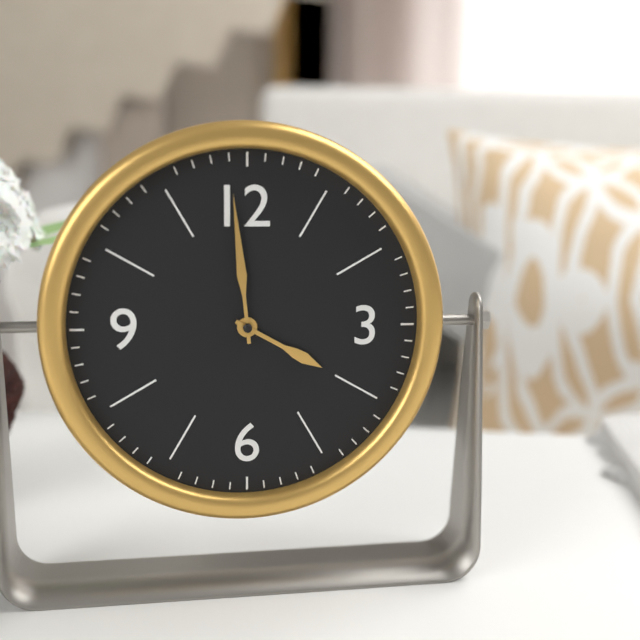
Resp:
**3:59**
